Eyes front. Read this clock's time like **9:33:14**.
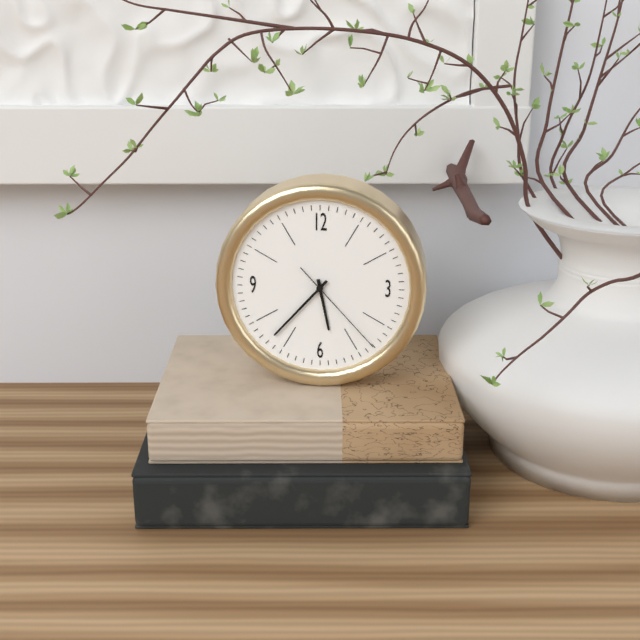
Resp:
**5:37:23**
